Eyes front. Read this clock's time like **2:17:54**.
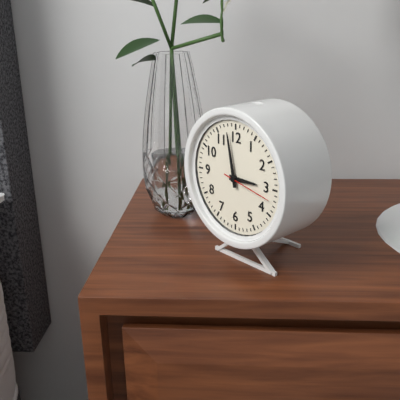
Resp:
**2:58:17**
